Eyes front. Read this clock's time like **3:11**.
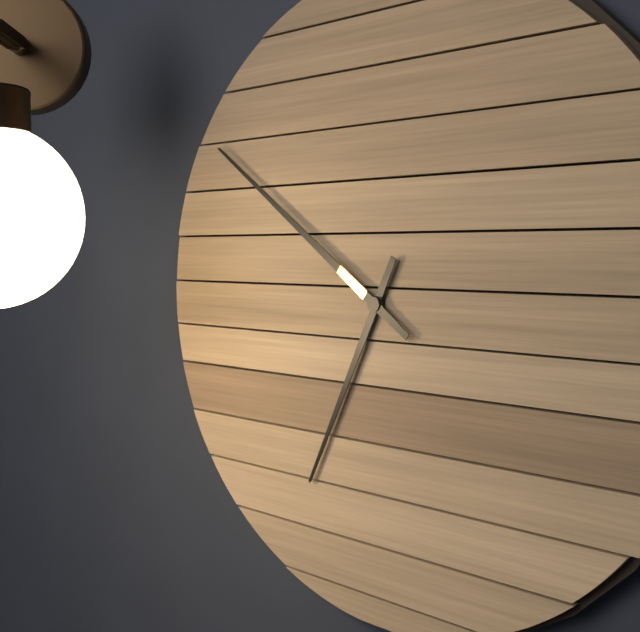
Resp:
**6:51**
